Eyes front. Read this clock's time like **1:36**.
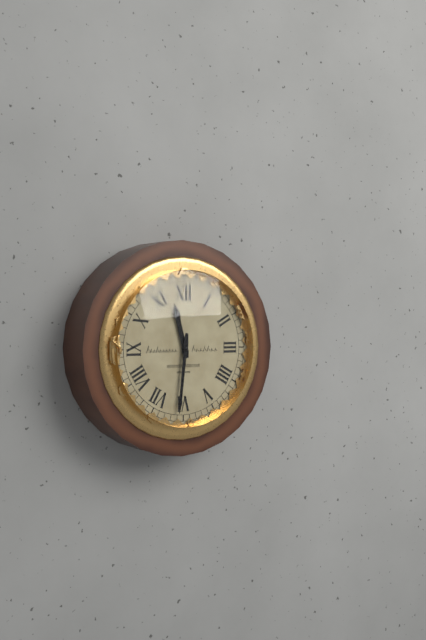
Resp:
**11:31**
